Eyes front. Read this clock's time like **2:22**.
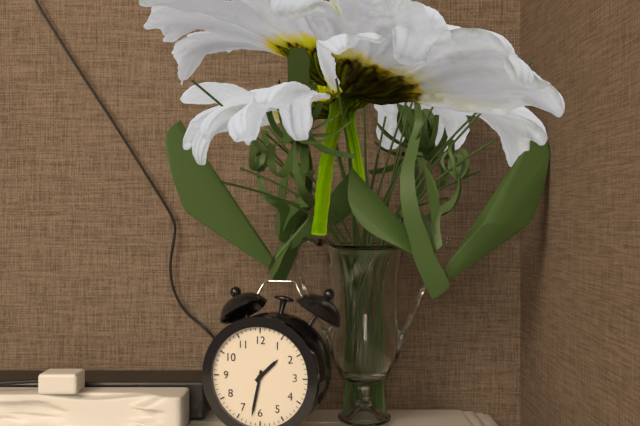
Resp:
**1:32**
